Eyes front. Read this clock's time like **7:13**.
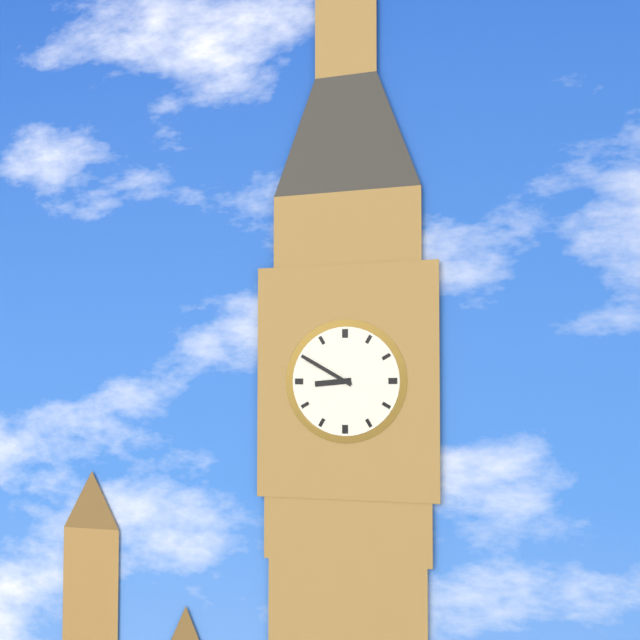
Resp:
**8:50**
